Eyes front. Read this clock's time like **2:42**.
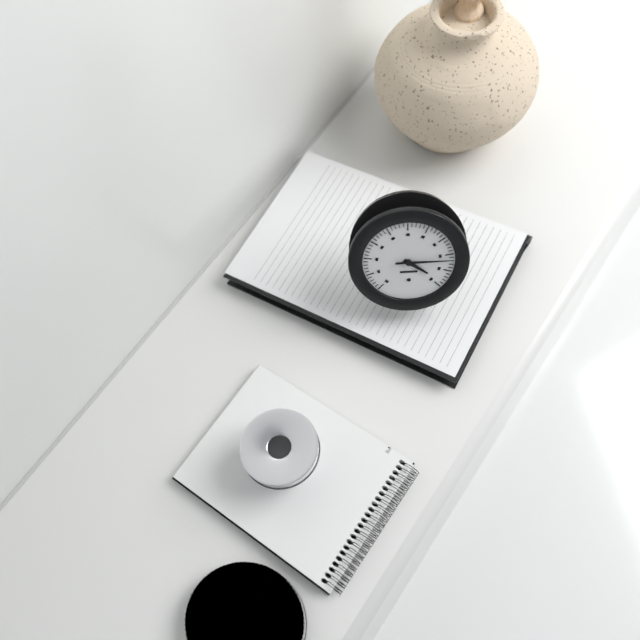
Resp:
**4:15**
